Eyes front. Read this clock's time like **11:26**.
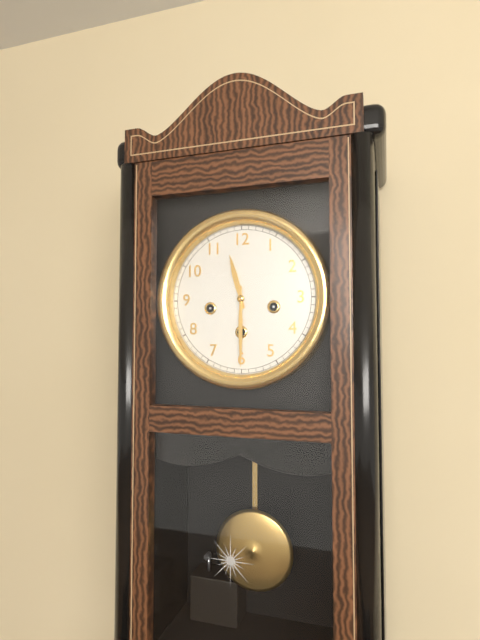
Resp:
**11:30**
